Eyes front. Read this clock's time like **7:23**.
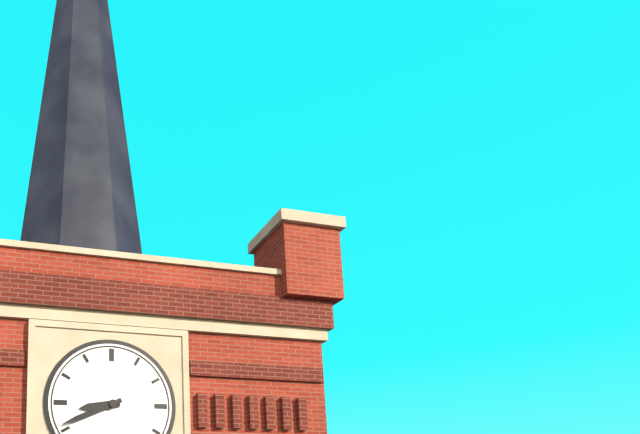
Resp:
**8:41**
